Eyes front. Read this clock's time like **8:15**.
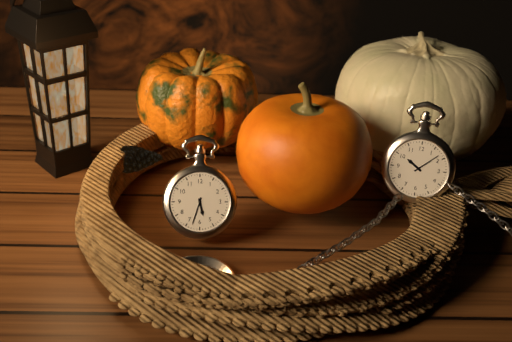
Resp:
**5:33**
